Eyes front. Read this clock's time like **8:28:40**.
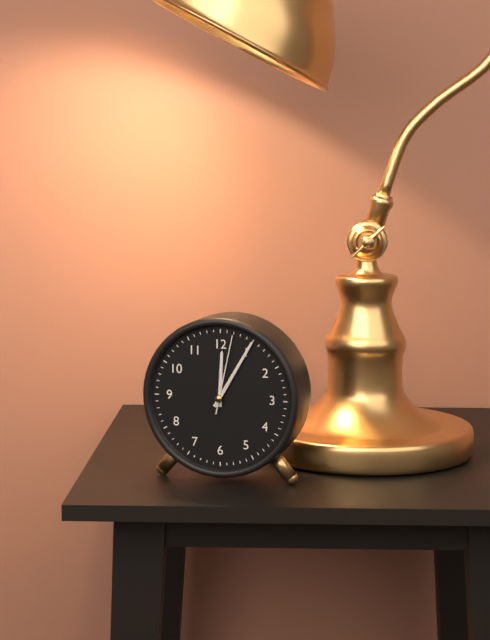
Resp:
**12:05:02**
